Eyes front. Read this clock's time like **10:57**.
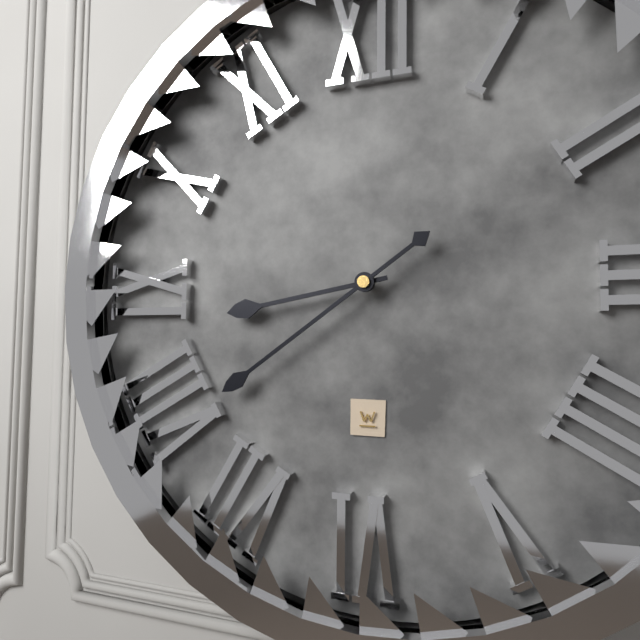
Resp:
**8:39**
